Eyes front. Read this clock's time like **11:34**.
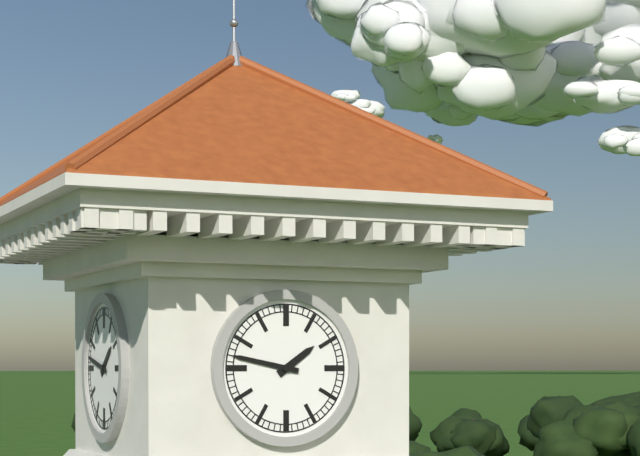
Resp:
**1:47**
